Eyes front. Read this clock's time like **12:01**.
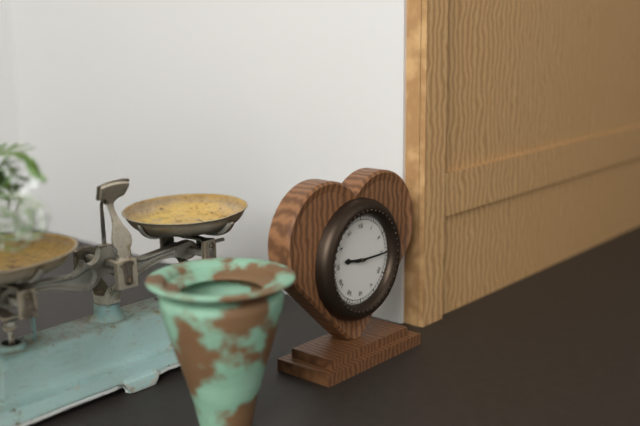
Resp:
**9:15**
